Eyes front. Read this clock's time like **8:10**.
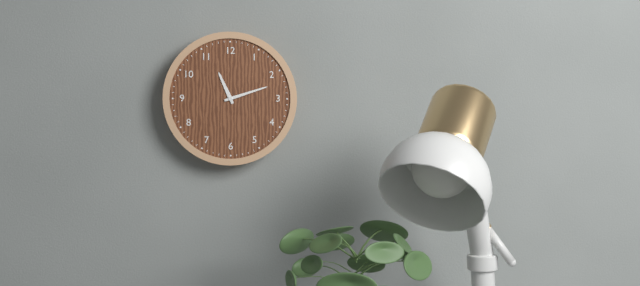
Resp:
**11:12**
